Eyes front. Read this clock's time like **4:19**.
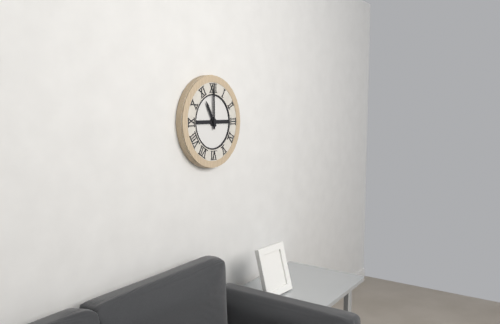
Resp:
**11:00**
